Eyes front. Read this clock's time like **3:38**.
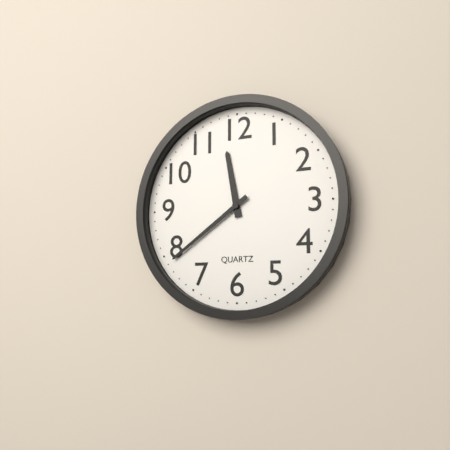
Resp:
**11:39**
